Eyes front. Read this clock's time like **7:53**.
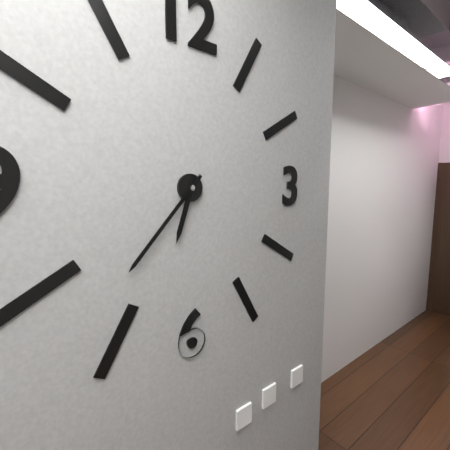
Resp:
**6:37**
